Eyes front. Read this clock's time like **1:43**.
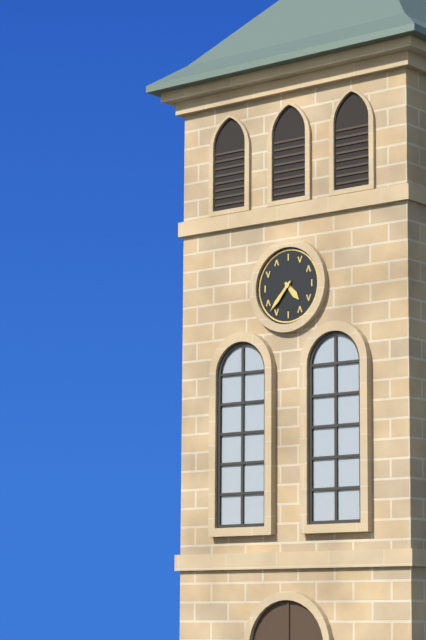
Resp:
**4:37**
